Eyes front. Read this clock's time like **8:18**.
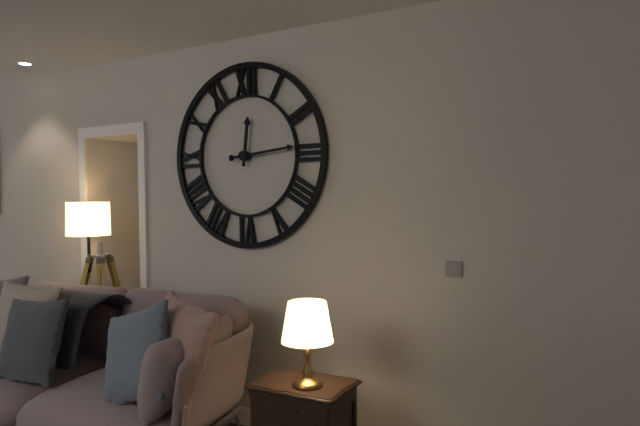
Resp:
**12:14**
